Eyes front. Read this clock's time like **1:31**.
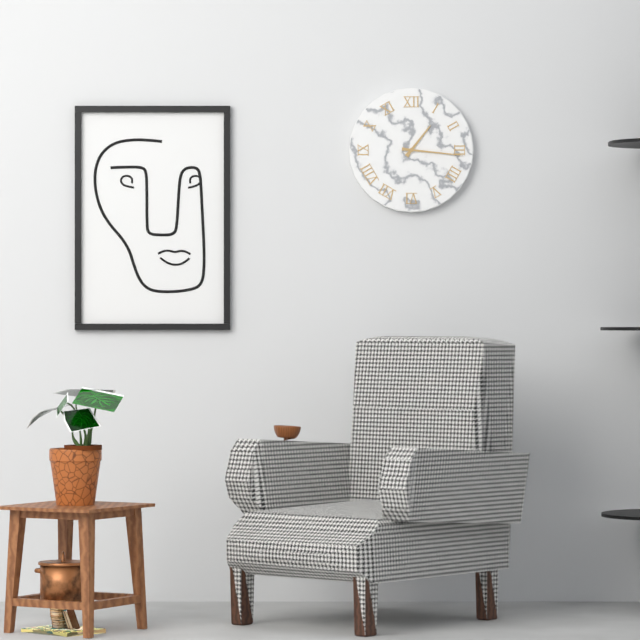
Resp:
**1:16**
